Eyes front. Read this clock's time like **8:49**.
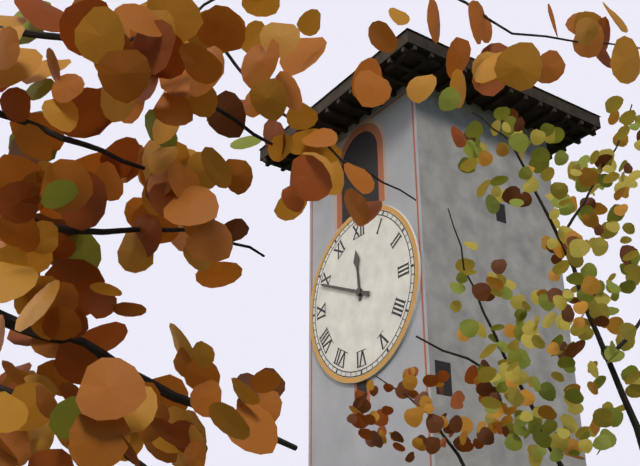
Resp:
**11:49**
